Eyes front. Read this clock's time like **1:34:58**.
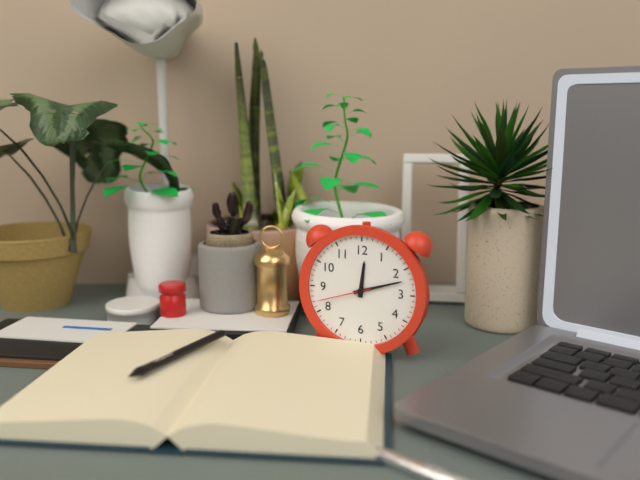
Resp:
**12:12:42**
